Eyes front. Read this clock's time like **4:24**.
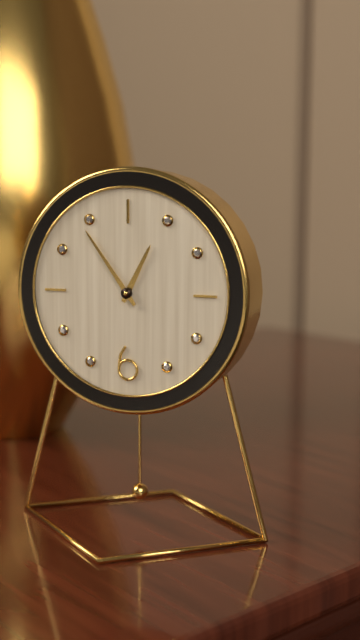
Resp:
**12:54**
